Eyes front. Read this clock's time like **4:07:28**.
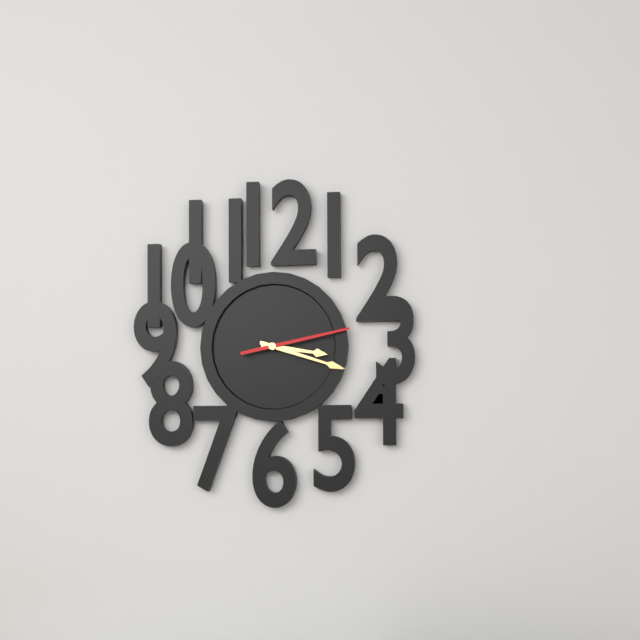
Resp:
**3:18:13**
